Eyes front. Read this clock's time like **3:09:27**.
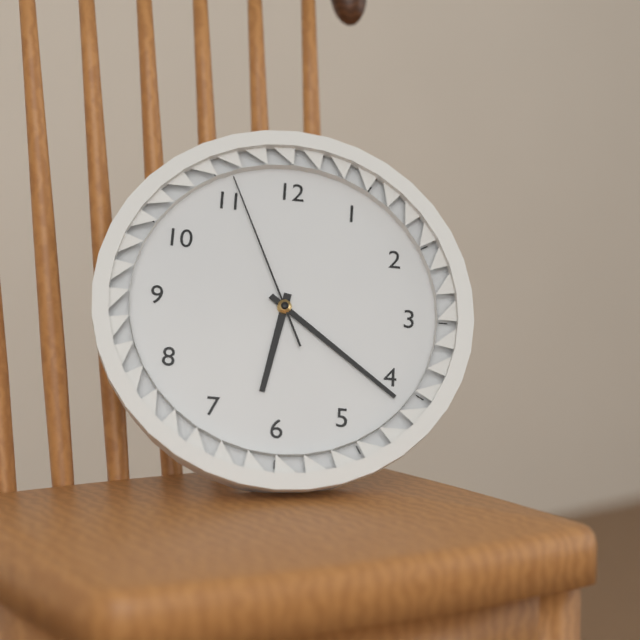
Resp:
**6:21:56**
